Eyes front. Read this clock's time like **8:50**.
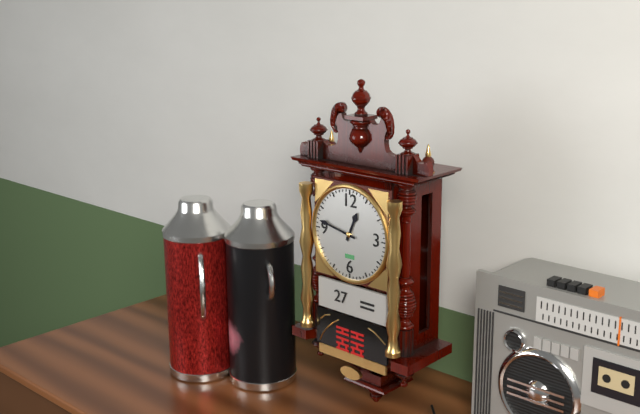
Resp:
**12:47**
